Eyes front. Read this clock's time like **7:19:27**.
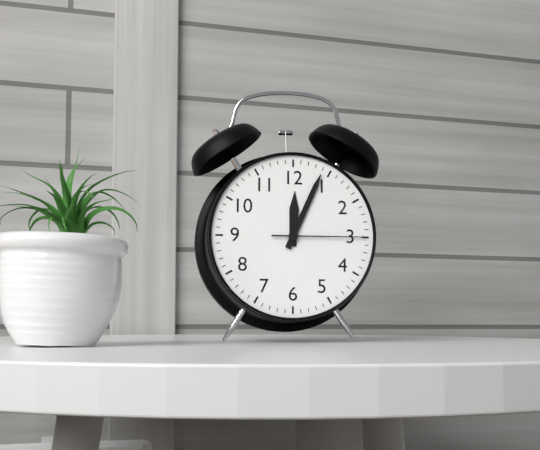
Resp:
**12:04:15**
